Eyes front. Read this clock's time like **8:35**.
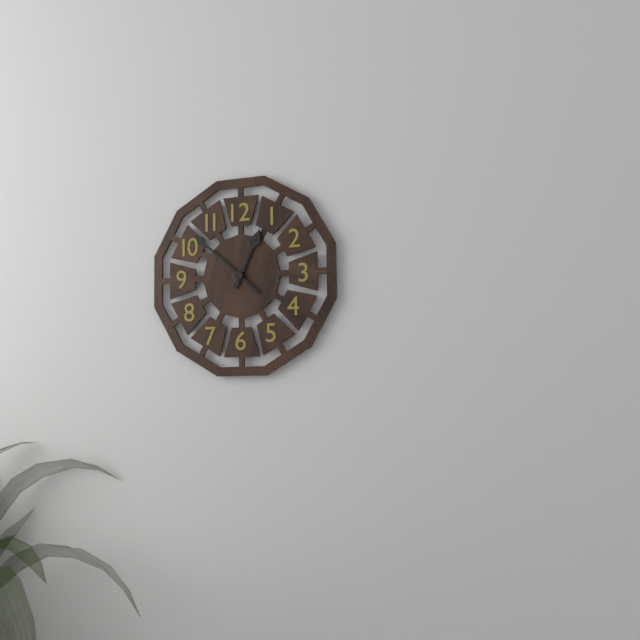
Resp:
**12:52**
